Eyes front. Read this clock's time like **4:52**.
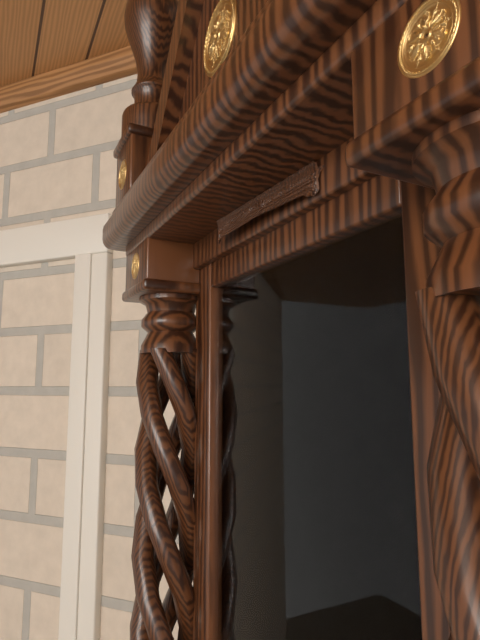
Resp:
**1:04**
